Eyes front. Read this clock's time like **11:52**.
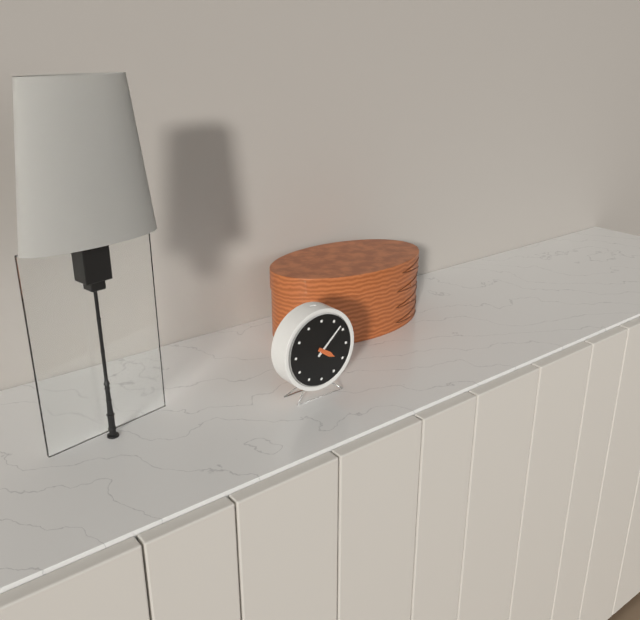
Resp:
**4:08**
